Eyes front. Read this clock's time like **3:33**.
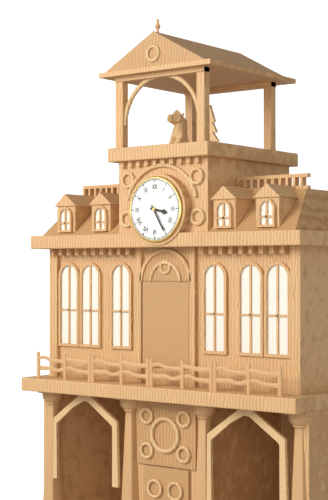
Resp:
**3:25**
